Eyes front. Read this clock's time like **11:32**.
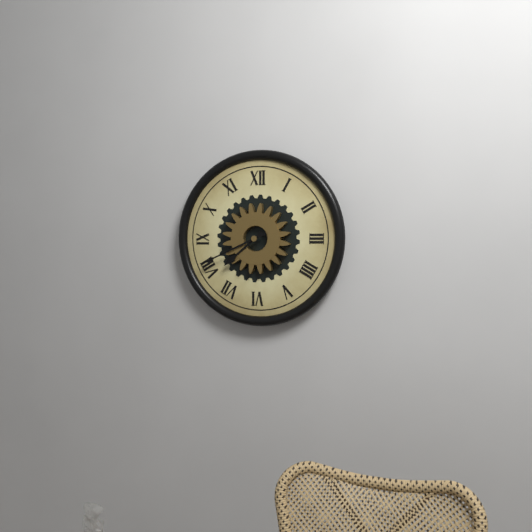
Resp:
**7:41**
